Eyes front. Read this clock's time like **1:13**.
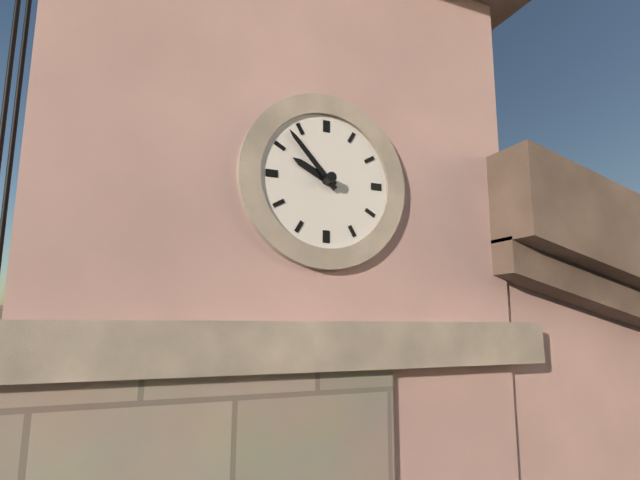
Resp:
**9:53**
